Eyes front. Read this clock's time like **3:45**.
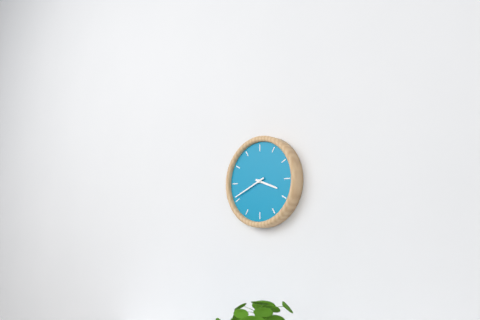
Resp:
**3:41**
